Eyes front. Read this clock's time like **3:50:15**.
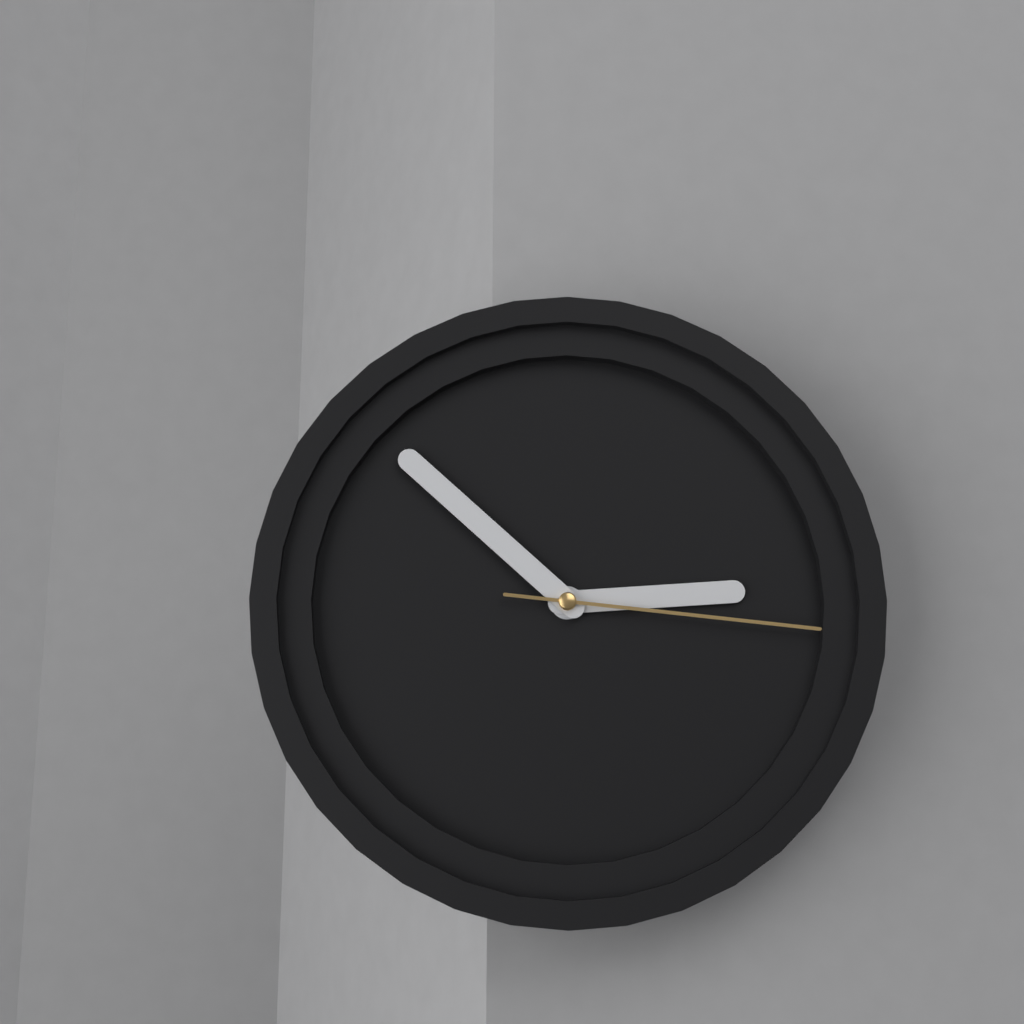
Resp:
**2:52:16**
